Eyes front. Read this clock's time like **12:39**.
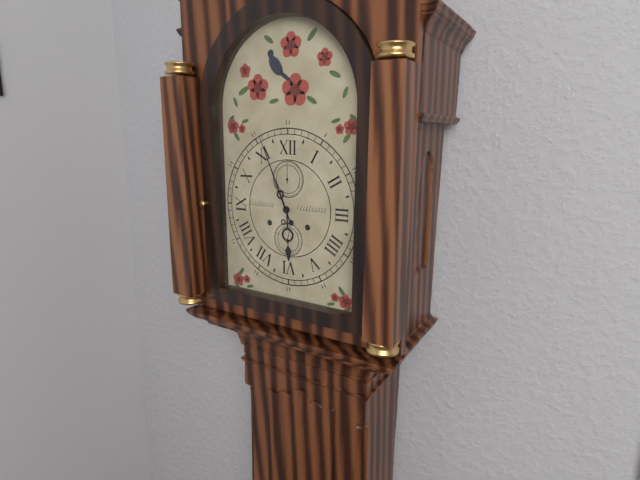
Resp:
**5:56**
